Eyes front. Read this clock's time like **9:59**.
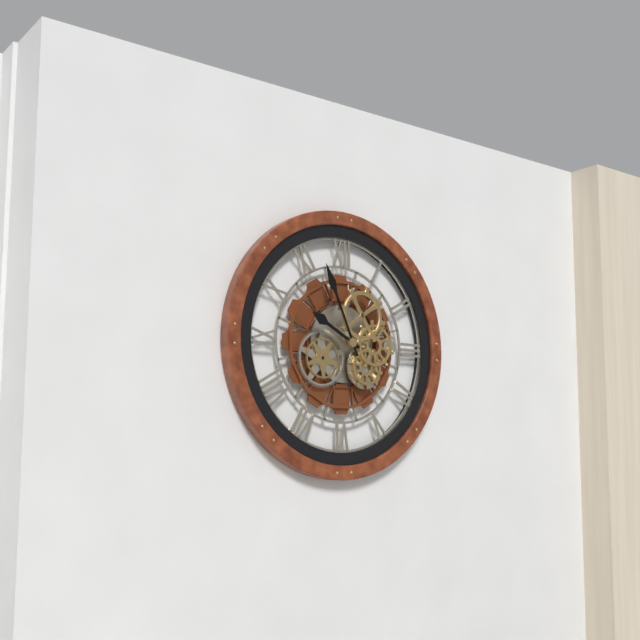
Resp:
**9:56**
